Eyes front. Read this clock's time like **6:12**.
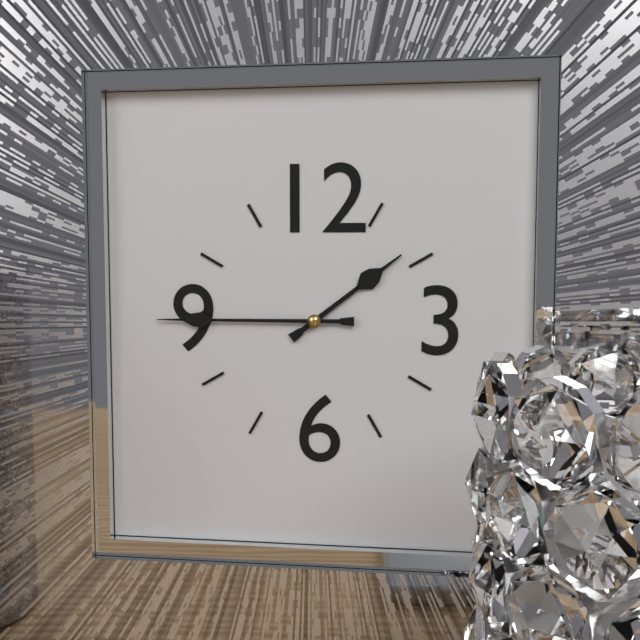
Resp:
**1:45**
